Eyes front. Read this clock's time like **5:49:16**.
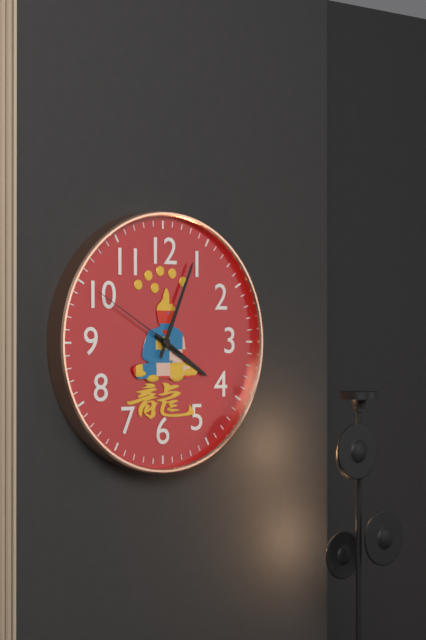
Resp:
**4:04:50**
